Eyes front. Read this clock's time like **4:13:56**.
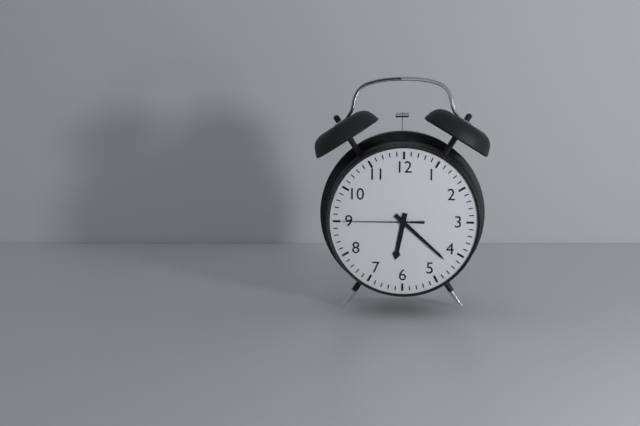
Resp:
**6:22:45**
